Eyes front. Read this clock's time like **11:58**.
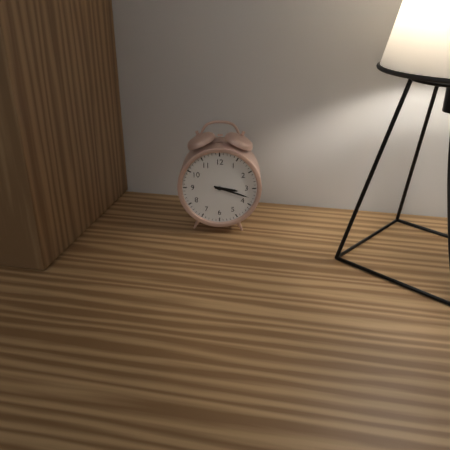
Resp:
**3:18**
